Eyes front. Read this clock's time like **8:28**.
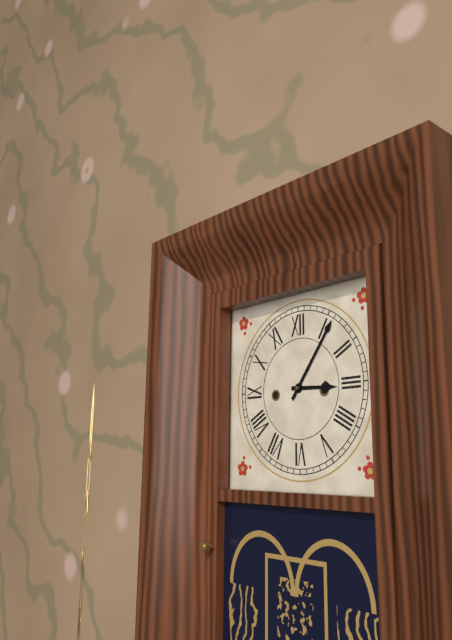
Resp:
**3:06**
